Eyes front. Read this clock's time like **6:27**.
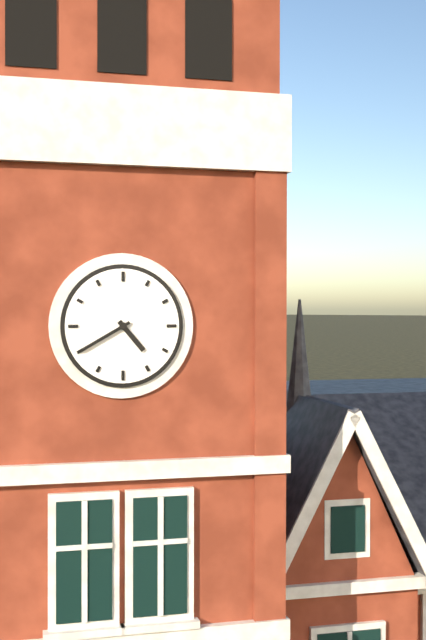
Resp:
**4:40**
